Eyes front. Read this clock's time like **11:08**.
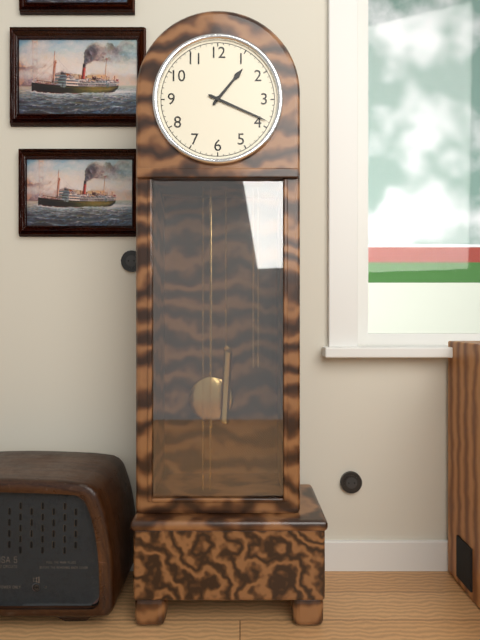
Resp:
**1:19**
